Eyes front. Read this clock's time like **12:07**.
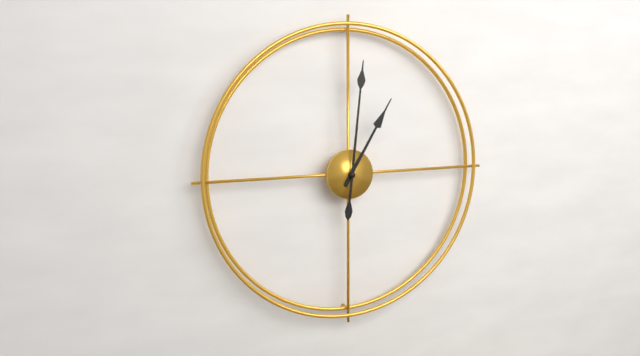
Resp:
**1:01**
